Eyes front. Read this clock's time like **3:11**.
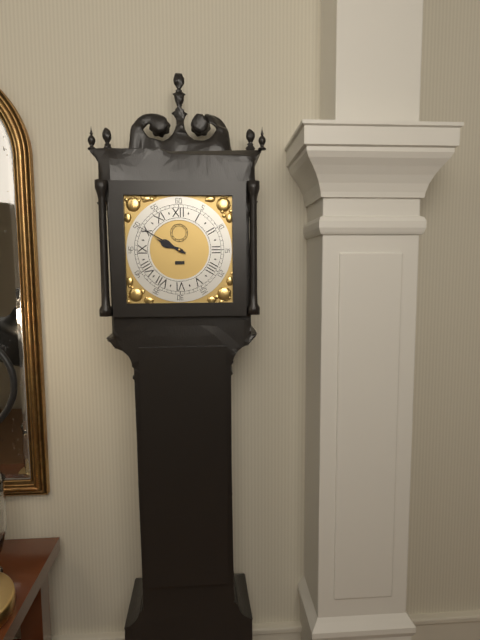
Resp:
**9:50**
